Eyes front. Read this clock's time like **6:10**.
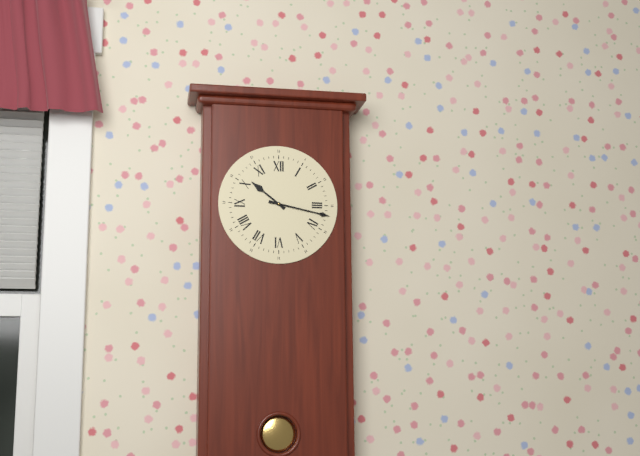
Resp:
**10:17**
